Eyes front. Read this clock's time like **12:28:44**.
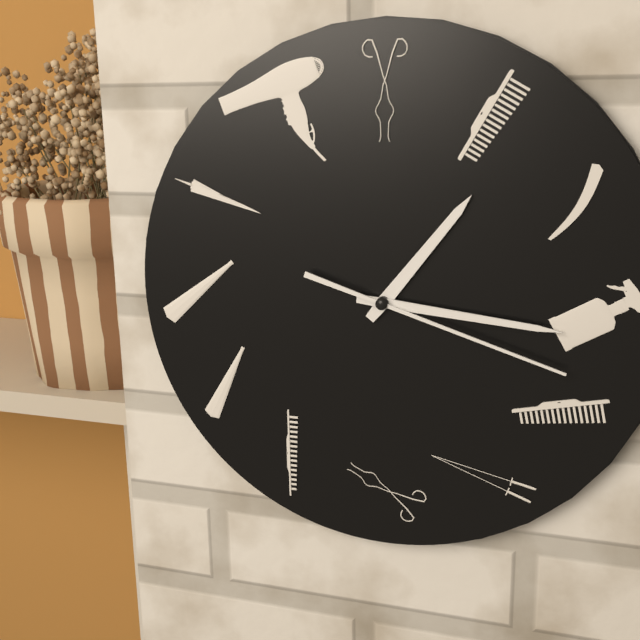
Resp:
**1:16:18**
